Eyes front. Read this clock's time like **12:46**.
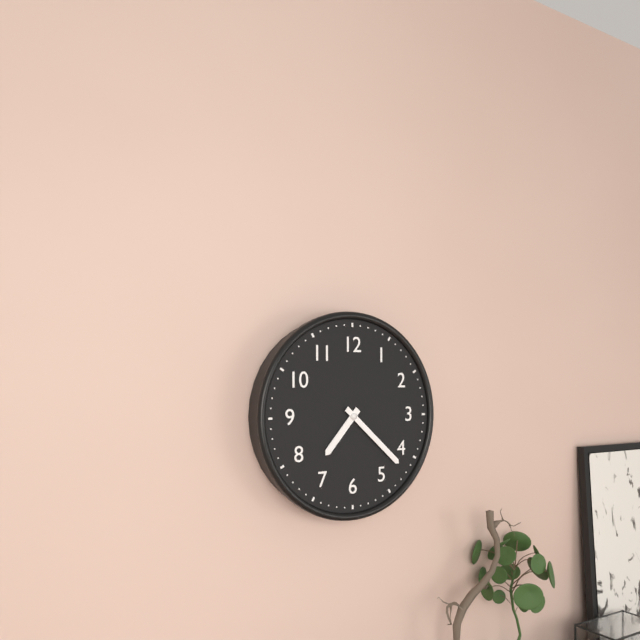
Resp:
**7:22**
